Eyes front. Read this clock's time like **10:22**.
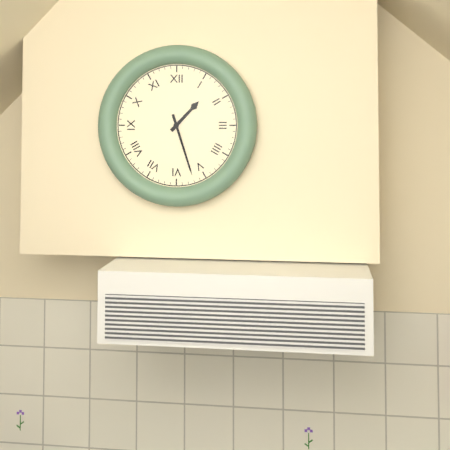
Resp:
**1:27**
